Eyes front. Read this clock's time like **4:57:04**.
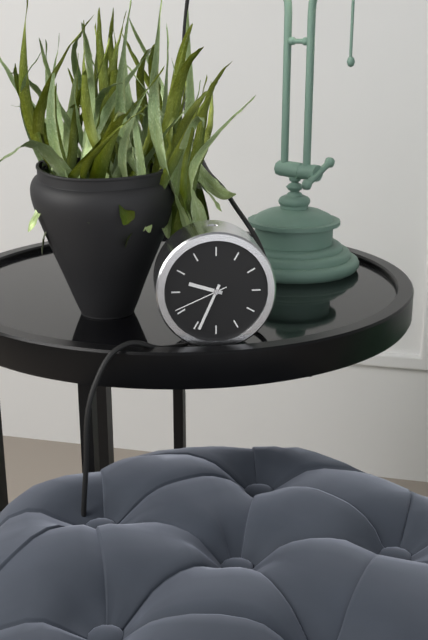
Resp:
**9:34:41**
